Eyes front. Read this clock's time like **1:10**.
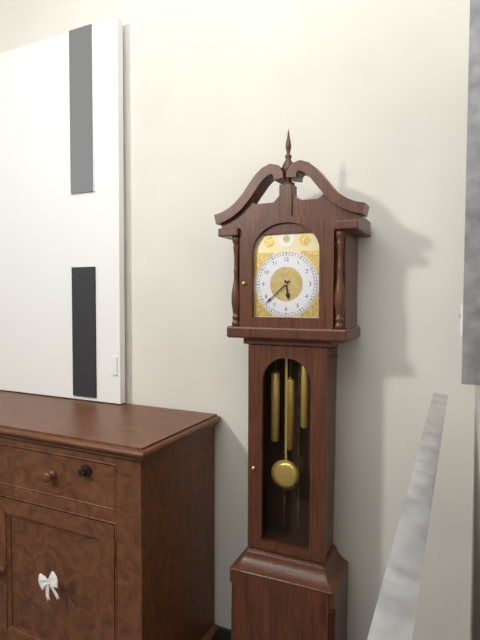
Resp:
**5:38**
